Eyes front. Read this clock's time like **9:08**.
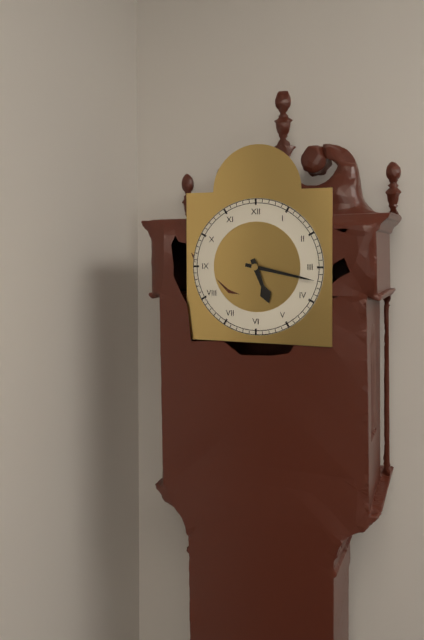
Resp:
**5:17**
